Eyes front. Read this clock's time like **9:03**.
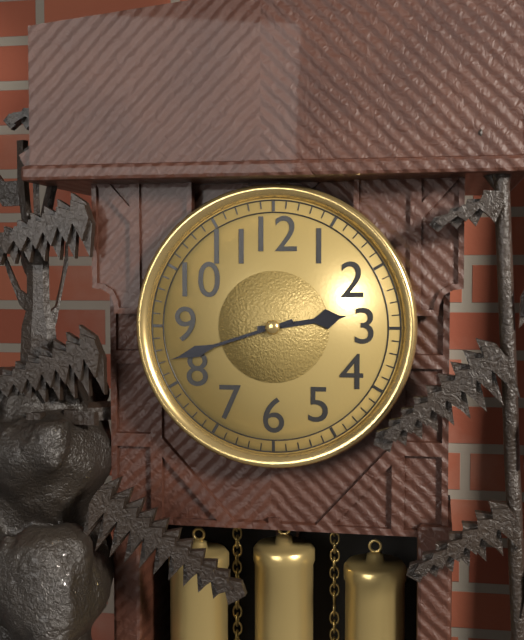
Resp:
**2:42**
